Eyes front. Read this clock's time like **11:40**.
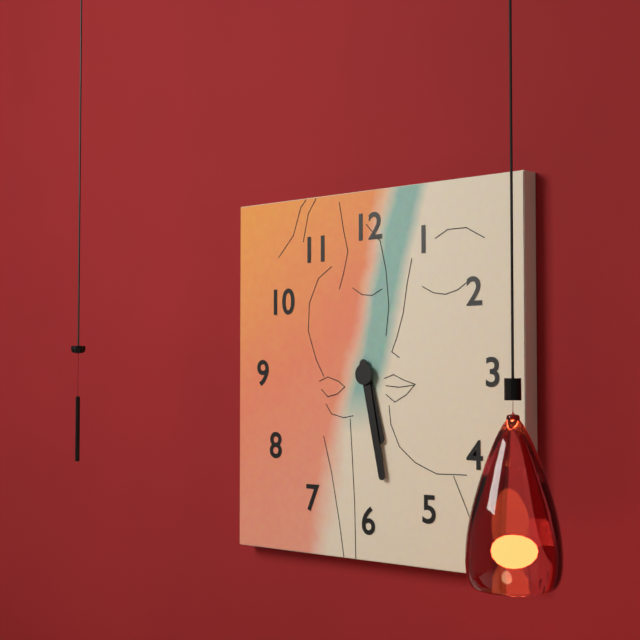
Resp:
**5:28**
